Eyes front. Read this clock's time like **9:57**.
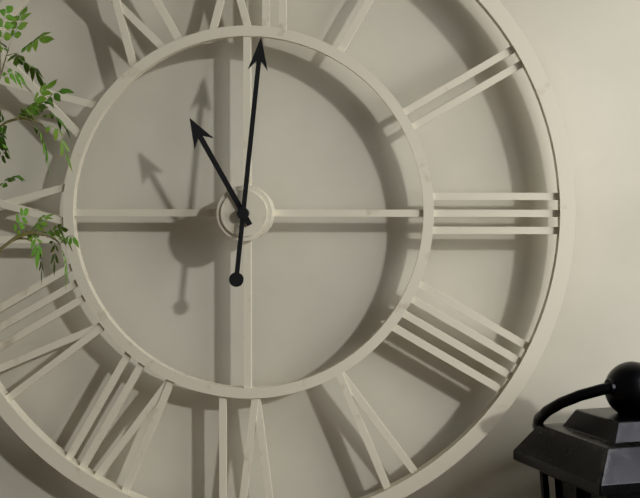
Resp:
**11:01**
